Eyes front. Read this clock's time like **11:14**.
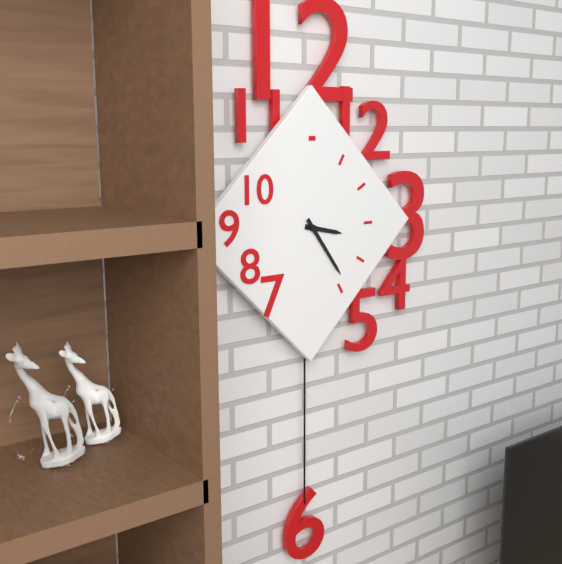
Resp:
**3:24**
